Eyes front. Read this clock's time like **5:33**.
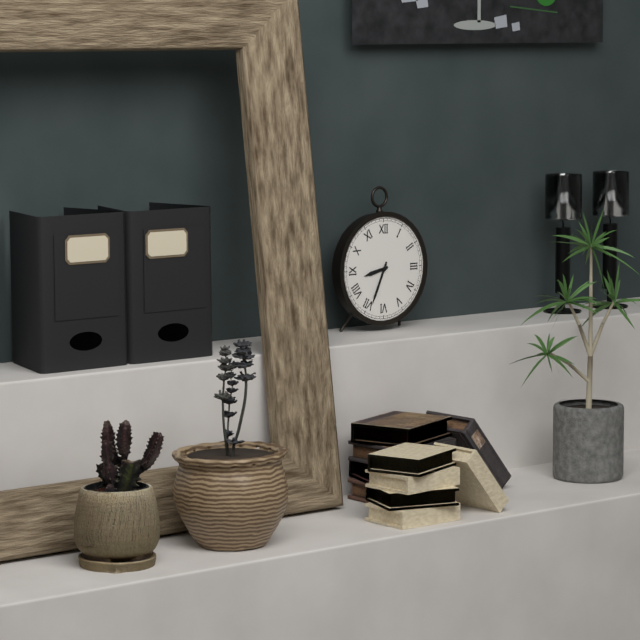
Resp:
**8:34**
